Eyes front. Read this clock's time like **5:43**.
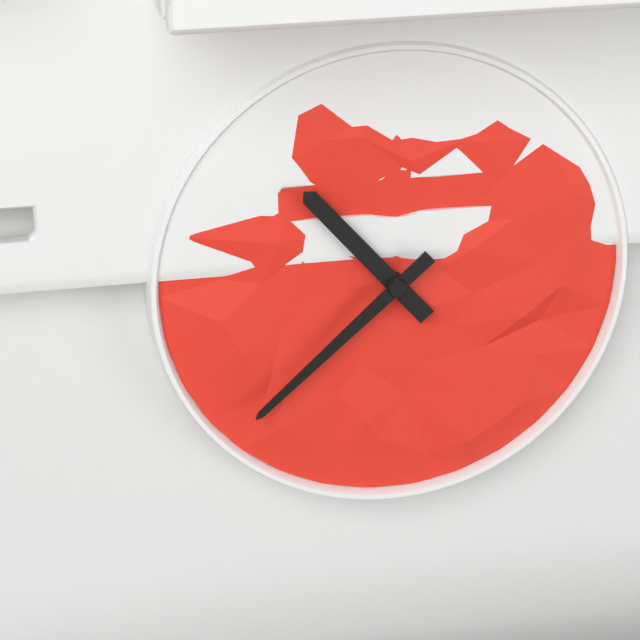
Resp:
**10:38**
